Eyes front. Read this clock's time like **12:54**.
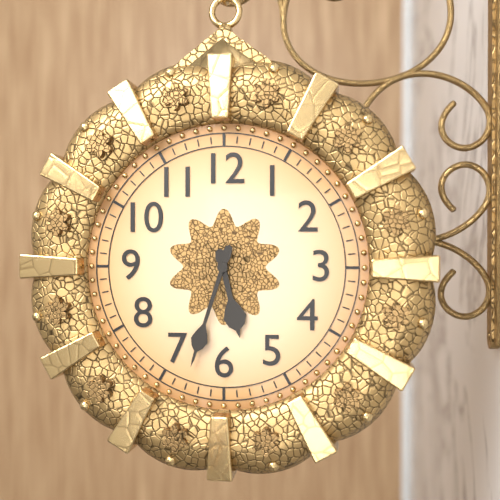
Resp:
**5:33**
